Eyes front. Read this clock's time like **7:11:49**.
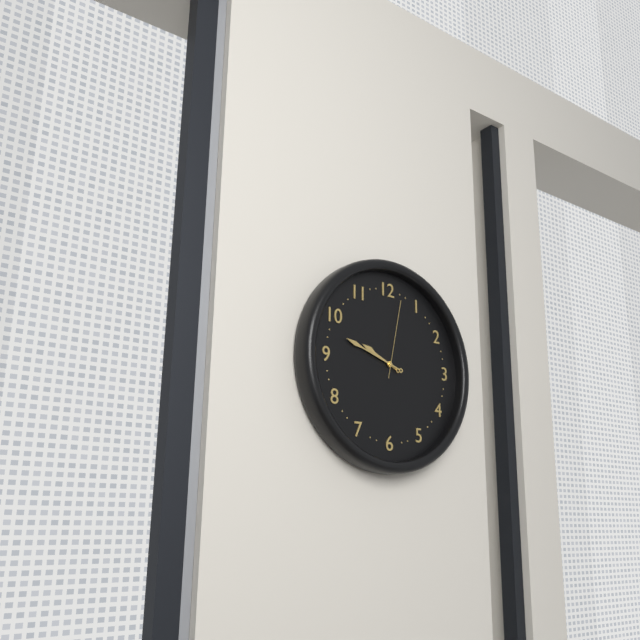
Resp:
**9:48:02**
